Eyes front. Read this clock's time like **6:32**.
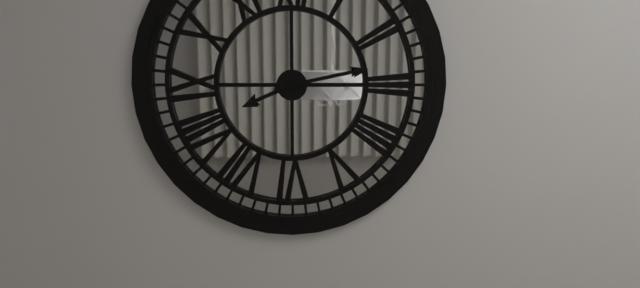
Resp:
**8:13**
